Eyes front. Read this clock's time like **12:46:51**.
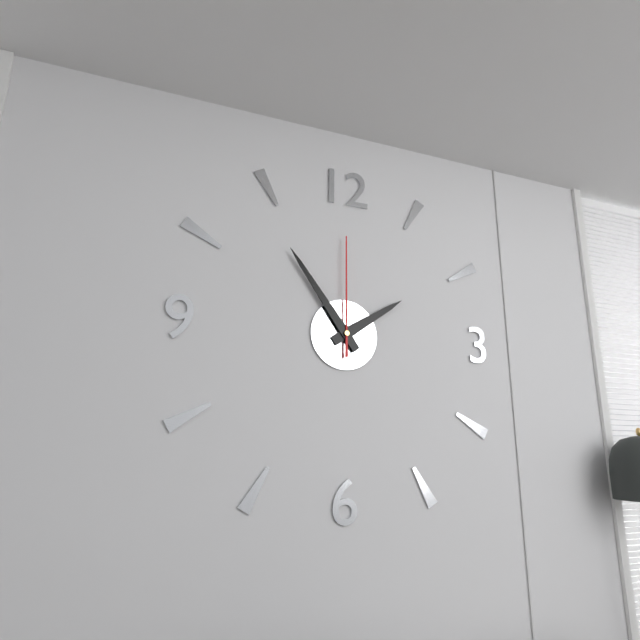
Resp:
**1:54:00**
